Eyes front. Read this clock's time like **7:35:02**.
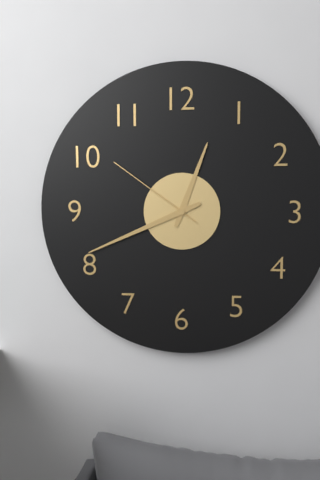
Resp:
**12:41:51**
